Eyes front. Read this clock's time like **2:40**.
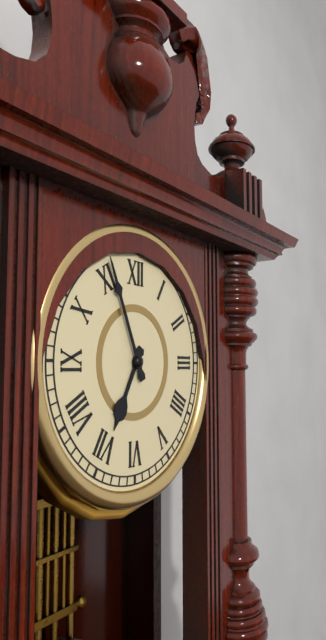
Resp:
**6:56**
